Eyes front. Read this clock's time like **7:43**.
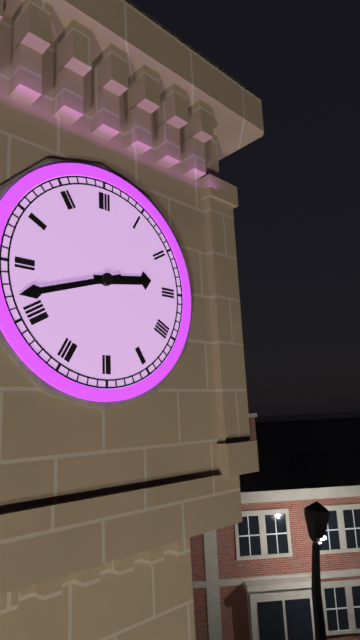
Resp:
**2:42**
